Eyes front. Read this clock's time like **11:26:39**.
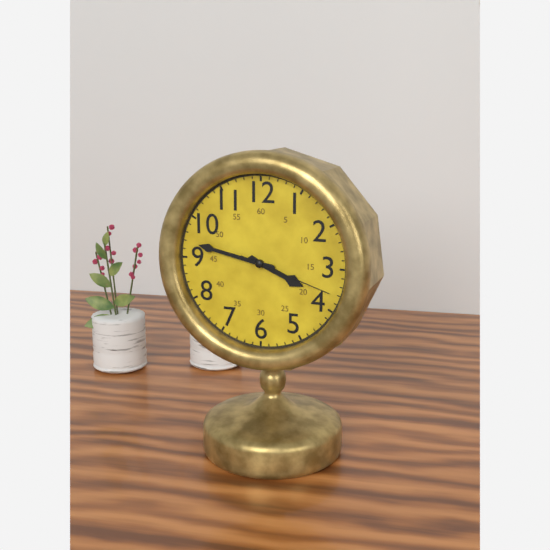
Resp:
**3:47:18**
